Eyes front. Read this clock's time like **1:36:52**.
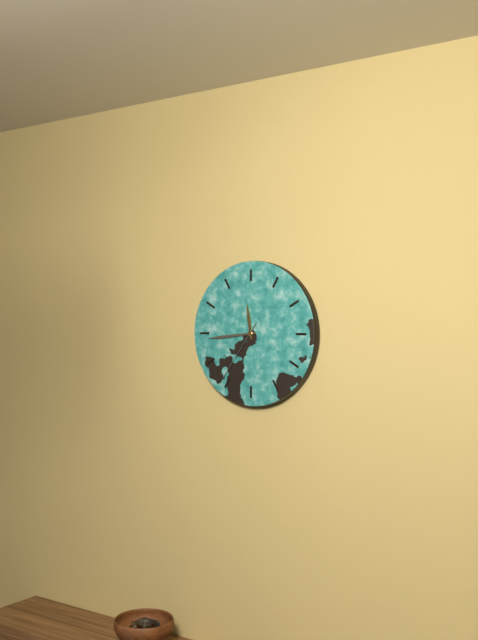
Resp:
**11:44:36**
